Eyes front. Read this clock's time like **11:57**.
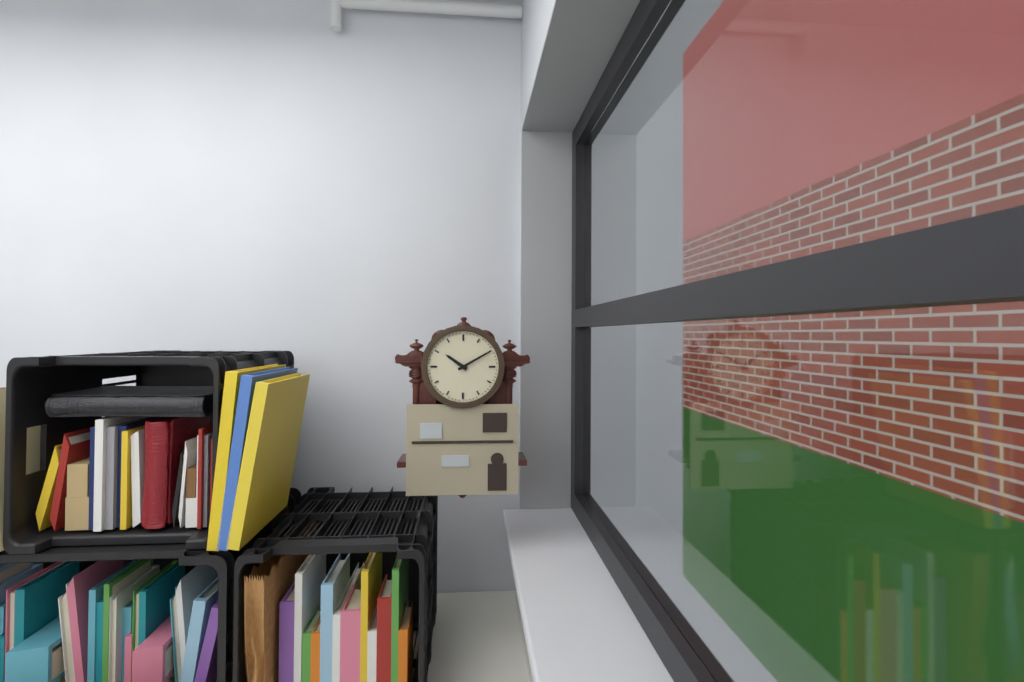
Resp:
**10:10**
